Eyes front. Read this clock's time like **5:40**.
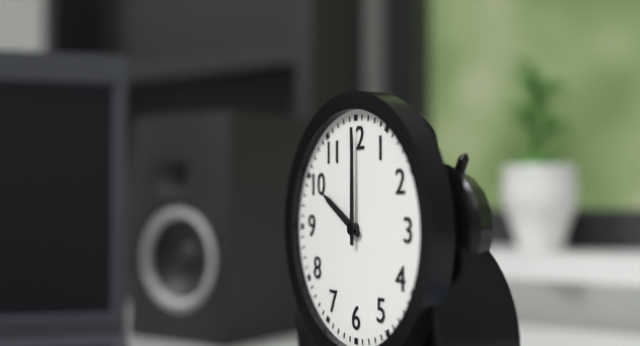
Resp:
**10:00**
